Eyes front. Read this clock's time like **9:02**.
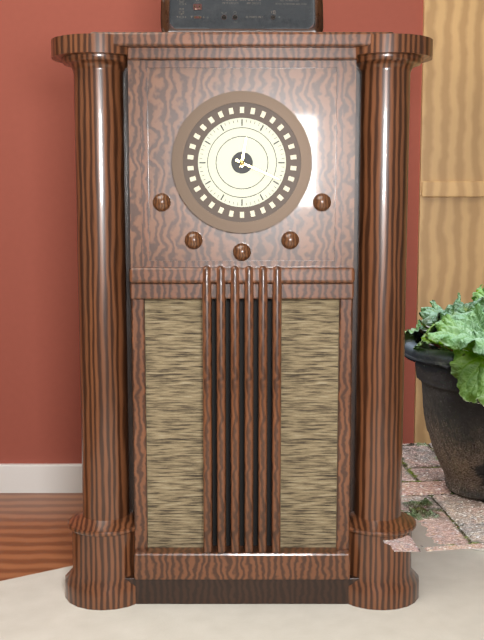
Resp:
**12:19**
